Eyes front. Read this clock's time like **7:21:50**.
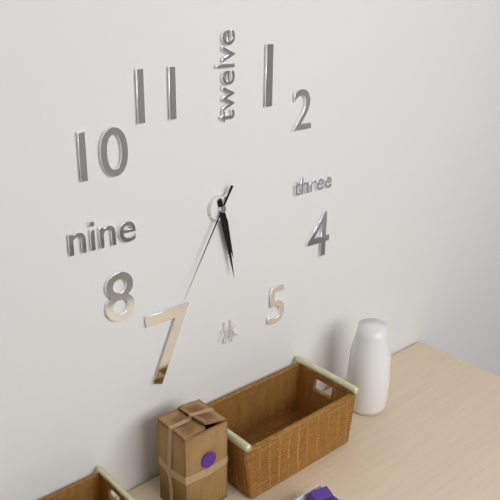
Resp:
**5:28:35**
